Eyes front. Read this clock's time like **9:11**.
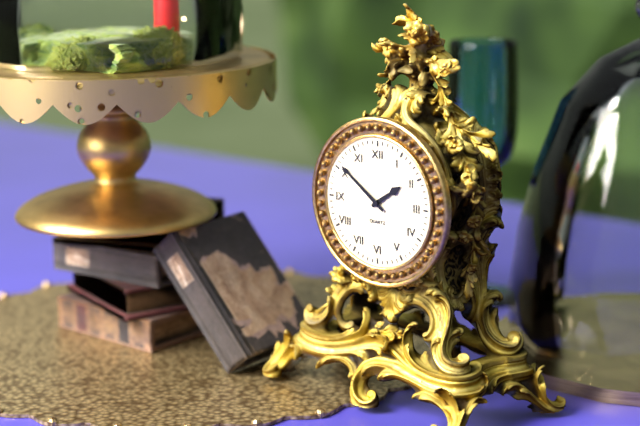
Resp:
**1:51**
